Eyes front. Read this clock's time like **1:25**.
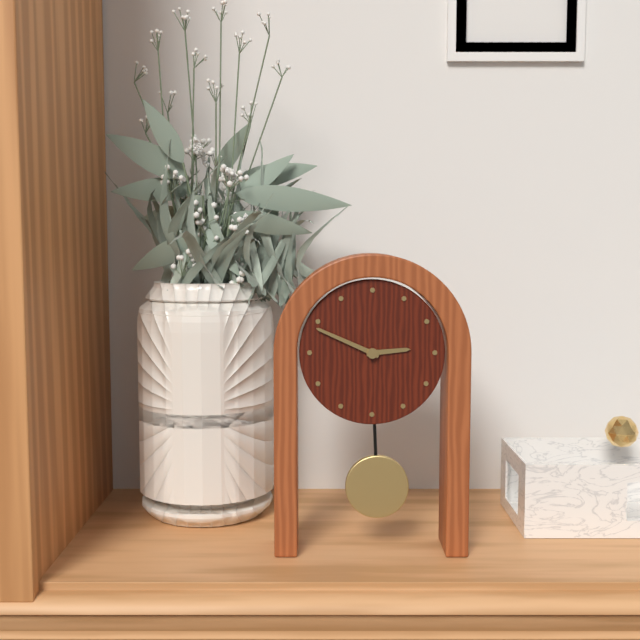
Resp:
**2:49**
